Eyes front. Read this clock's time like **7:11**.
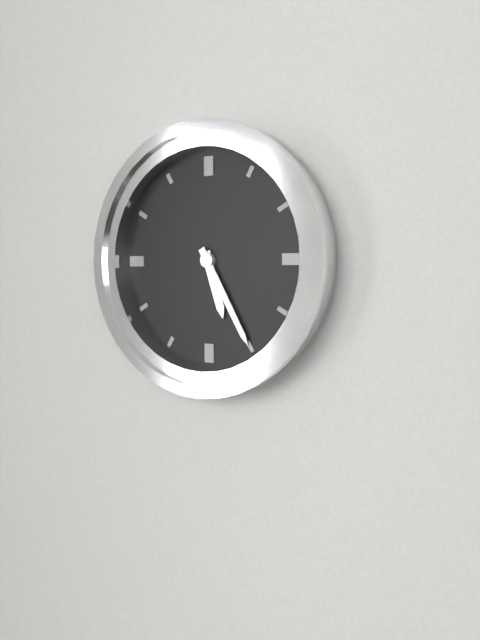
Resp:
**5:25**
